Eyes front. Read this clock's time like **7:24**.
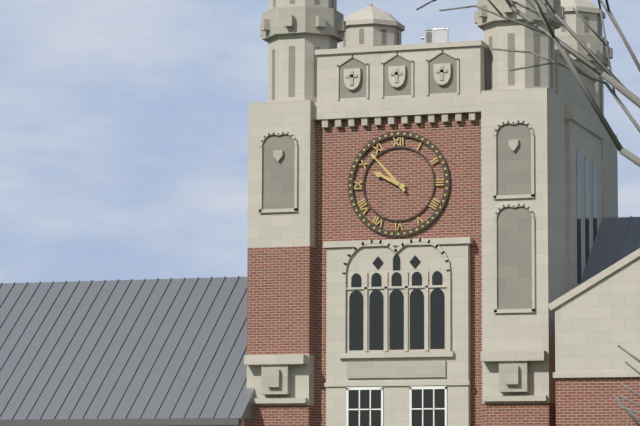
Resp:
**9:53**
